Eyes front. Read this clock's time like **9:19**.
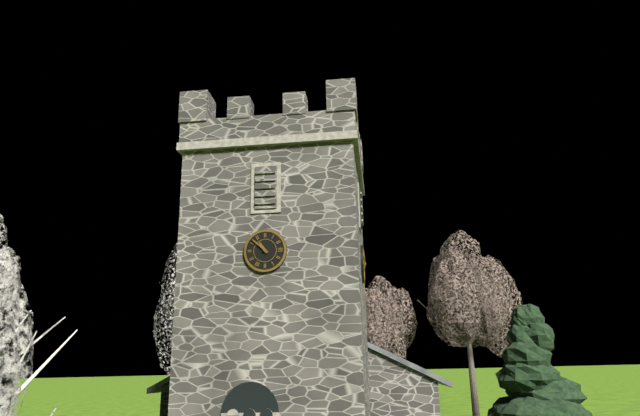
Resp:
**10:52**
